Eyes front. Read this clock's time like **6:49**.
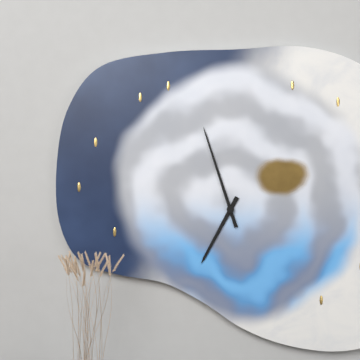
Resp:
**6:57**
